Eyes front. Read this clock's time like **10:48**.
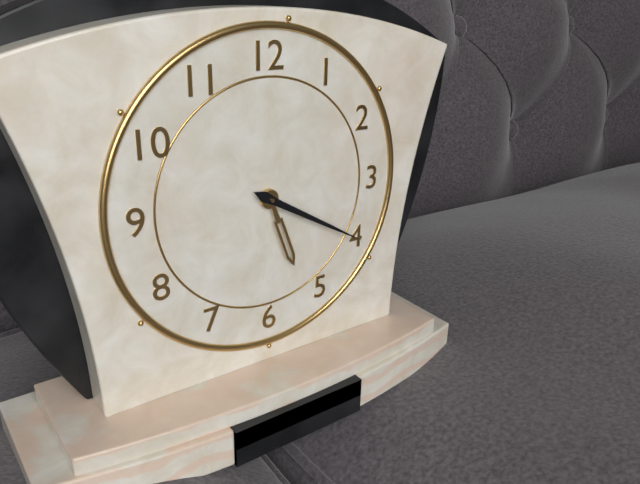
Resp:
**5:20**
